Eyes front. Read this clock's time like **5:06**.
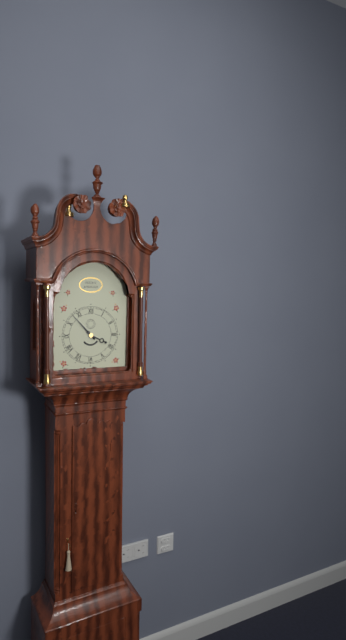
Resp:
**3:53**
